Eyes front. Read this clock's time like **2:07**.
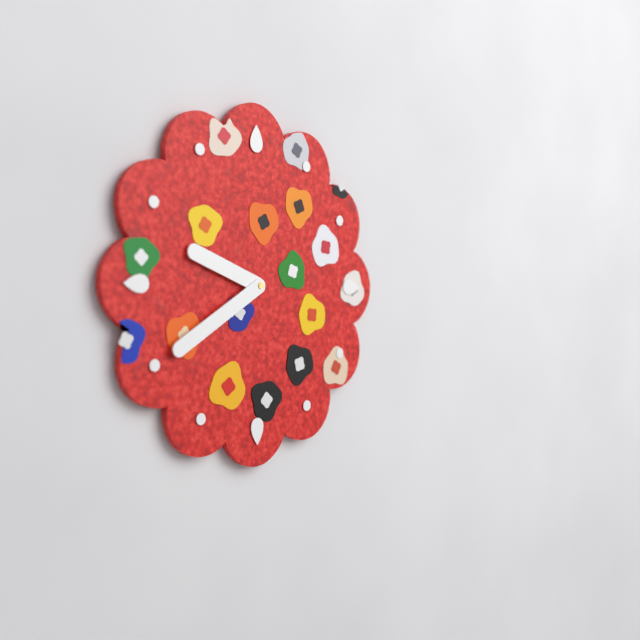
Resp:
**9:40**
